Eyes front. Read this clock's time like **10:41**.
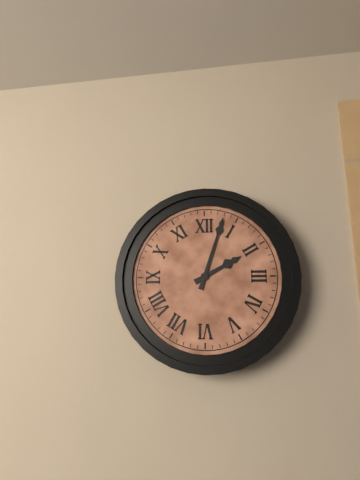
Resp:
**2:03**
